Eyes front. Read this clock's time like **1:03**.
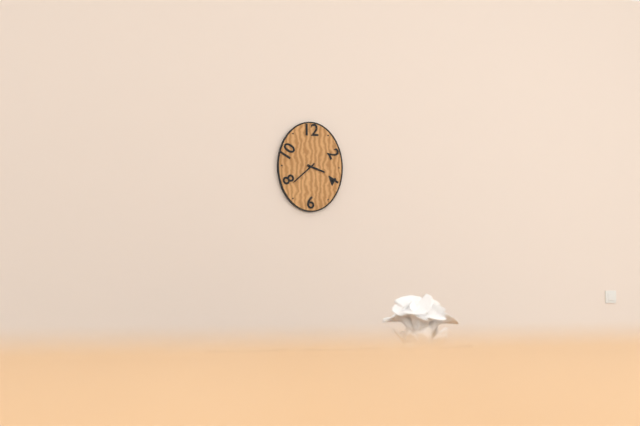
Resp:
**3:38**
